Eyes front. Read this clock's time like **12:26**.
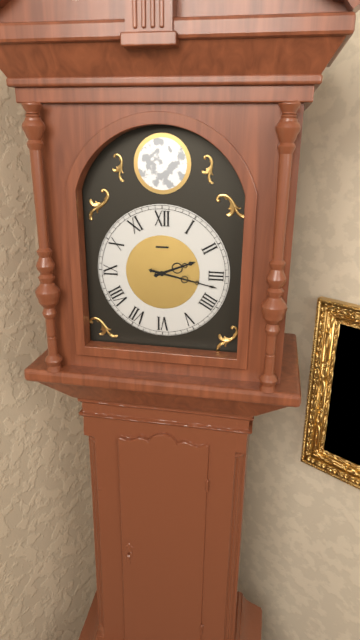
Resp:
**2:17**
